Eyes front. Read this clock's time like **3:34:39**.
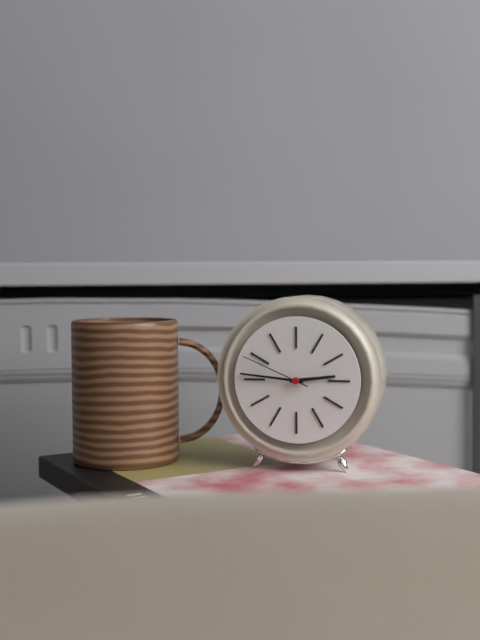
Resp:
**2:46:49**
